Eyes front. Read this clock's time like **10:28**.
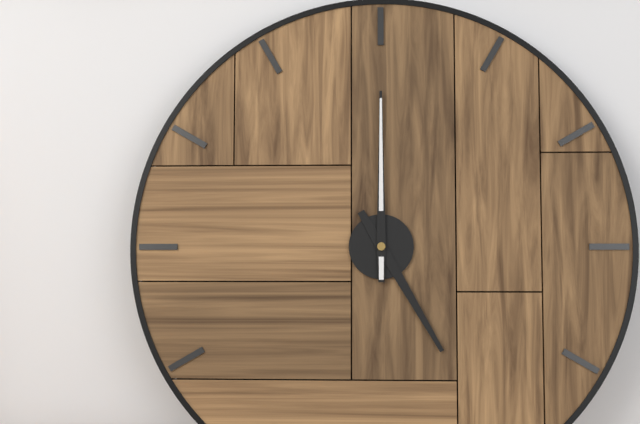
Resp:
**5:00**
